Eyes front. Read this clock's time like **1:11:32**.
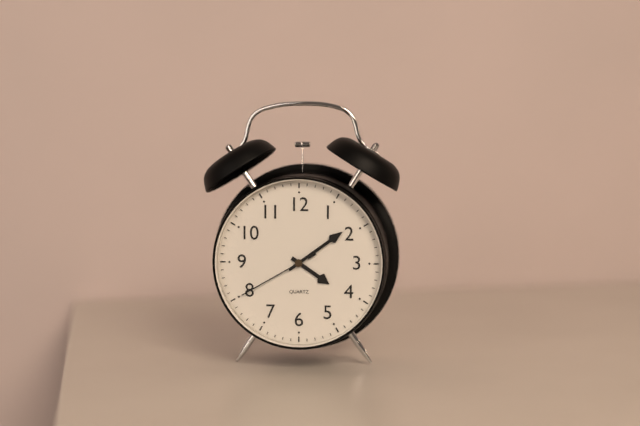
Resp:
**4:09:40**
